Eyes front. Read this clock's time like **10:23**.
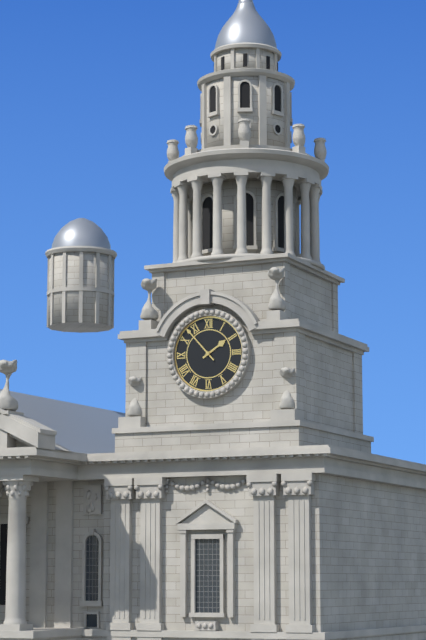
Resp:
**1:53**
